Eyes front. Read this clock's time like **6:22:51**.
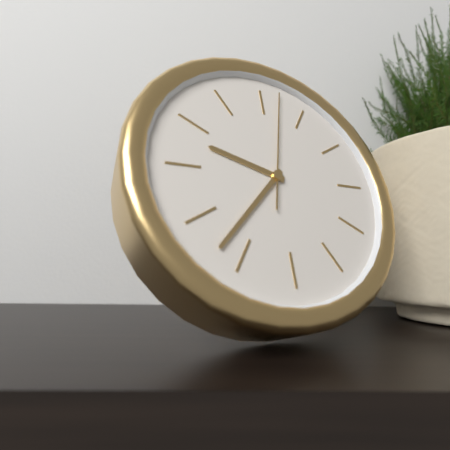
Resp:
**9:37:02**
